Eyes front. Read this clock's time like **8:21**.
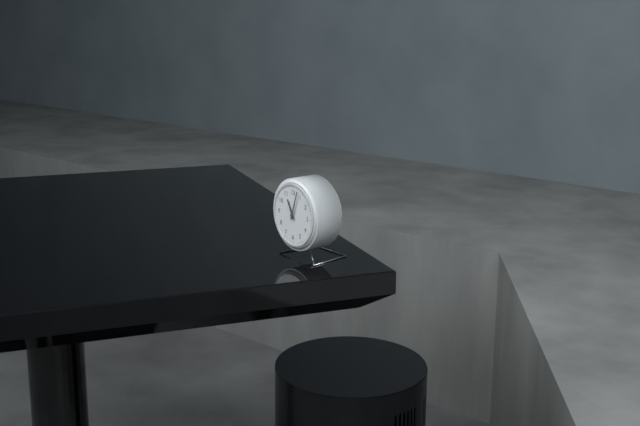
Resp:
**11:03**
